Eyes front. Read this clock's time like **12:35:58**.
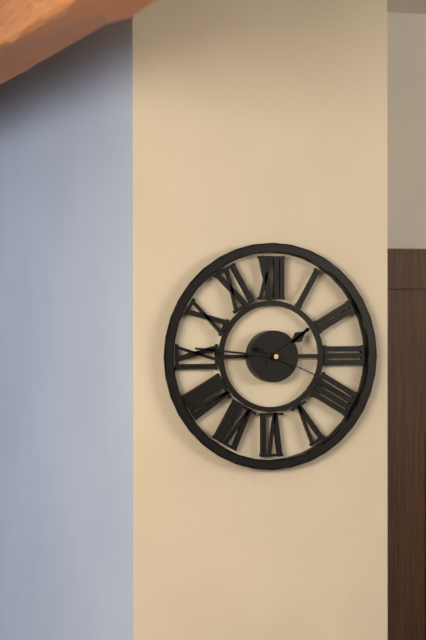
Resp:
**1:46:19**
